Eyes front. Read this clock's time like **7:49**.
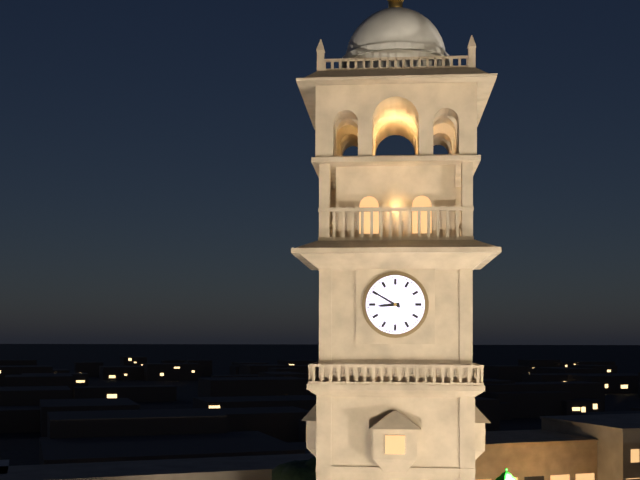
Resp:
**8:50**
